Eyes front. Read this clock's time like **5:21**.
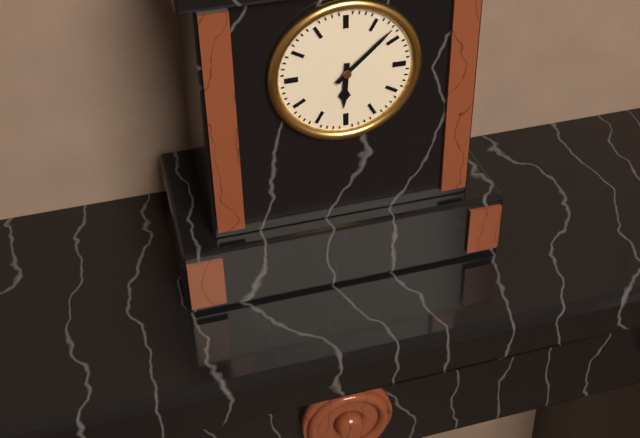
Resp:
**6:08**
